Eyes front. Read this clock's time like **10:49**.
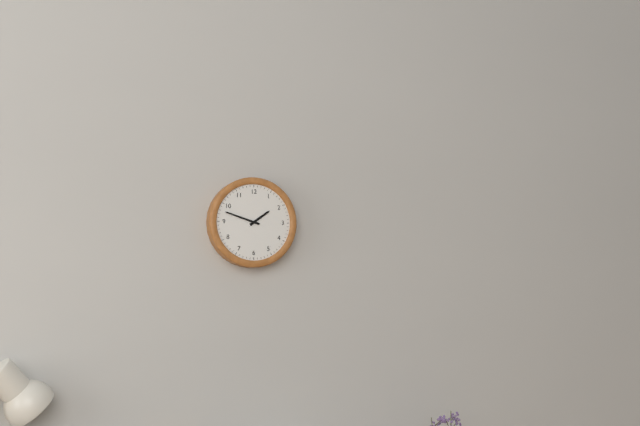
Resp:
**1:48**
